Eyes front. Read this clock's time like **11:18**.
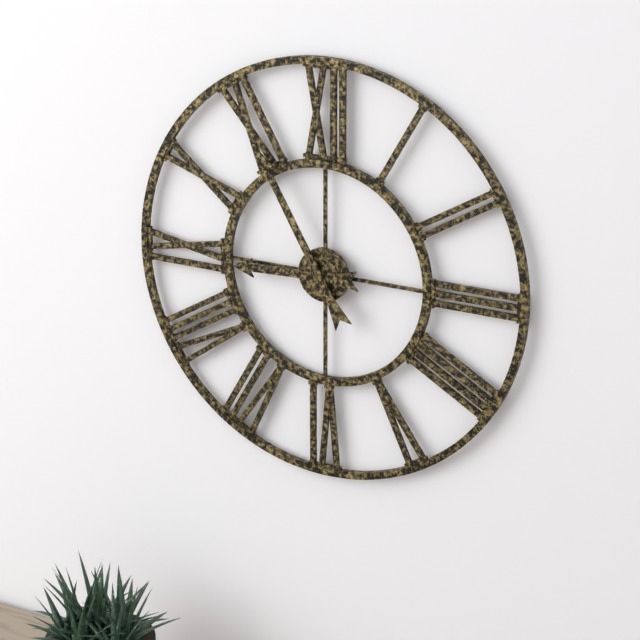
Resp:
**8:55**
